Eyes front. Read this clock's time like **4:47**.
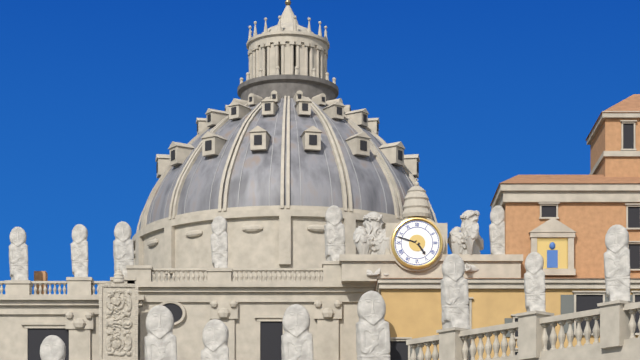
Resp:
**4:48**
